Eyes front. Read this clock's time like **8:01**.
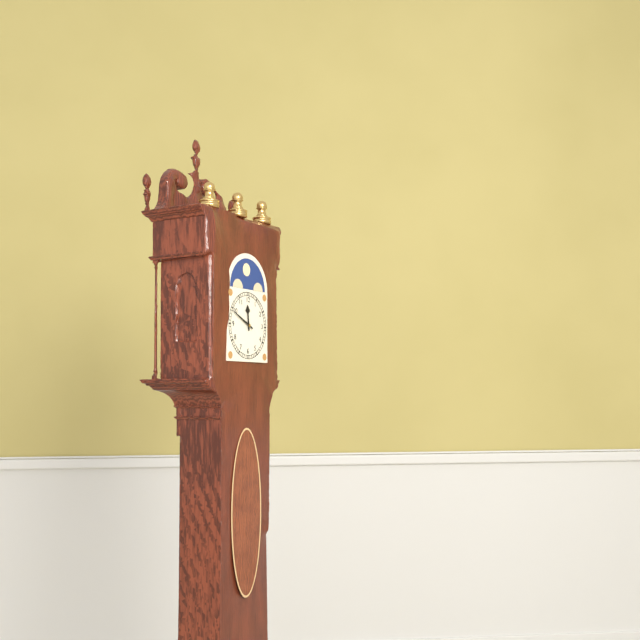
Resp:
**11:49**
